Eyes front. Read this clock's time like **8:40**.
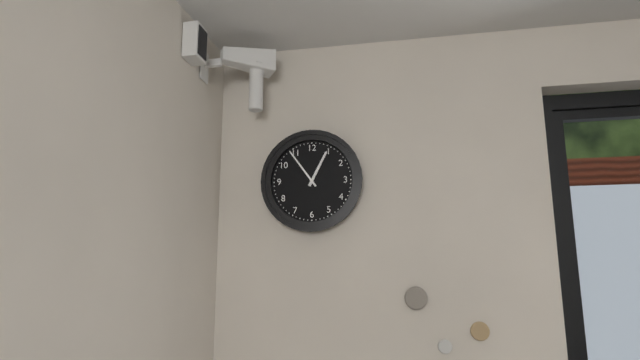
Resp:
**12:54**
